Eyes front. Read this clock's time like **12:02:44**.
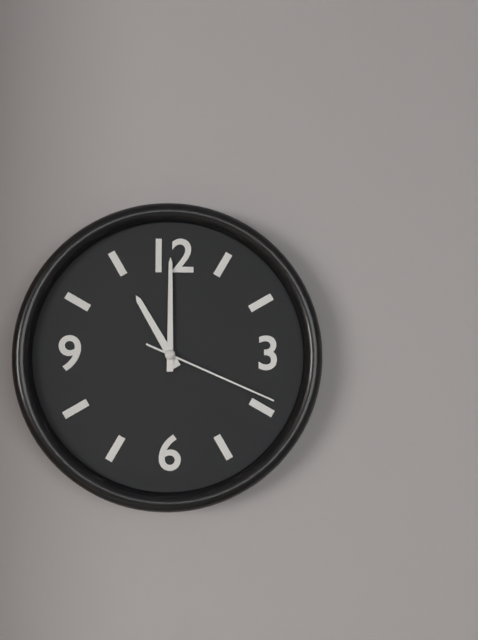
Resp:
**11:00:19**
